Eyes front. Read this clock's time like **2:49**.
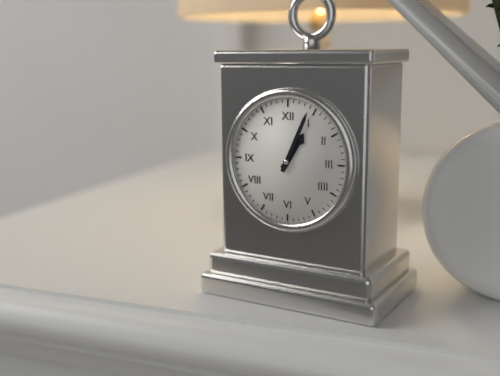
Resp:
**1:04**
